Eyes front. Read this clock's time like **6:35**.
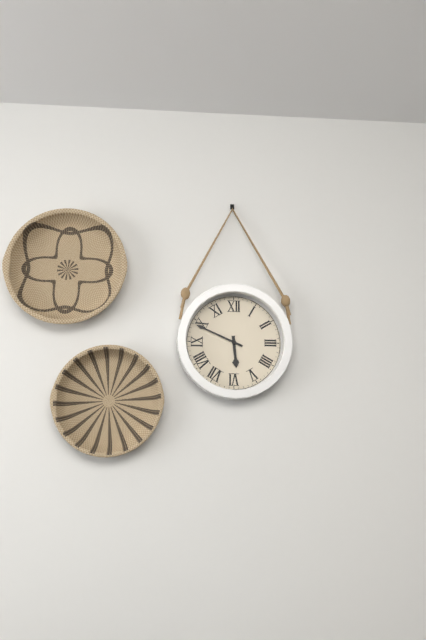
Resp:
**5:49**
